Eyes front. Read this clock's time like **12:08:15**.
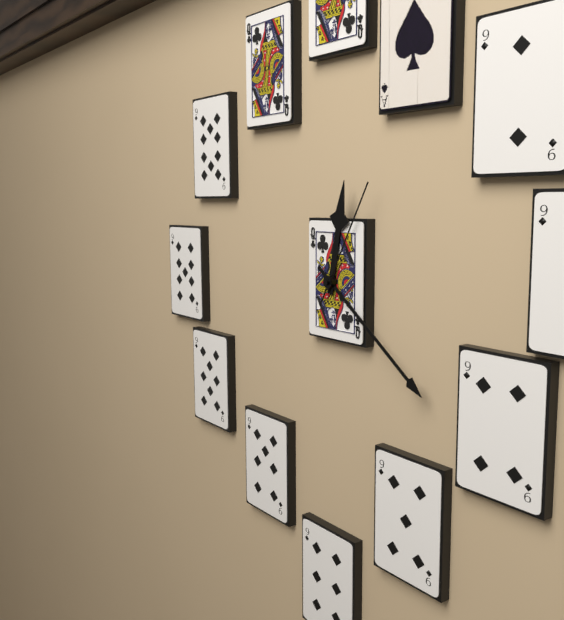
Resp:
**12:21:05**
